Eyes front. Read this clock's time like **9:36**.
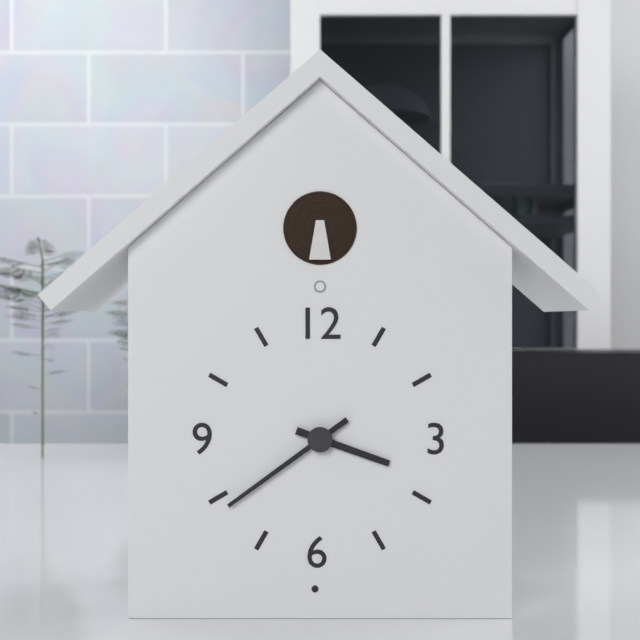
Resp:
**3:39**
